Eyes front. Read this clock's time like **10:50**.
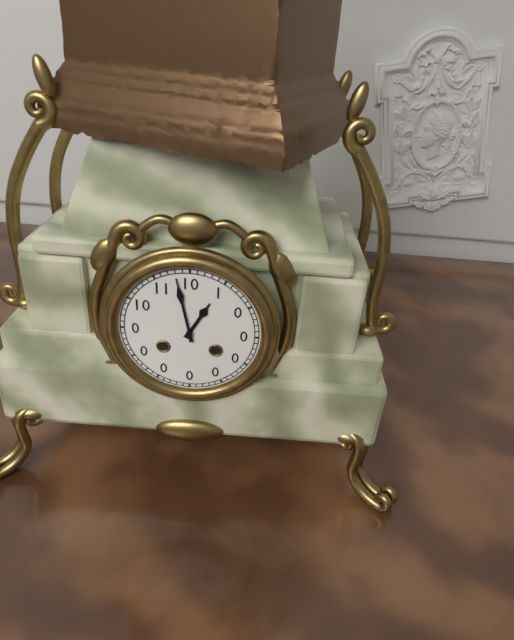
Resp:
**12:58**
